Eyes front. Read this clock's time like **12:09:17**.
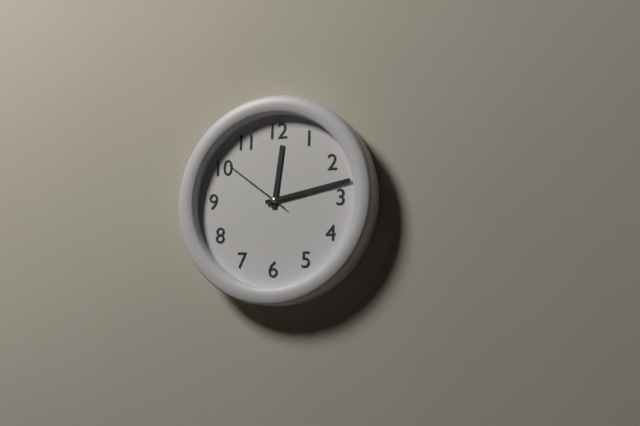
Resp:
**12:13:51**
